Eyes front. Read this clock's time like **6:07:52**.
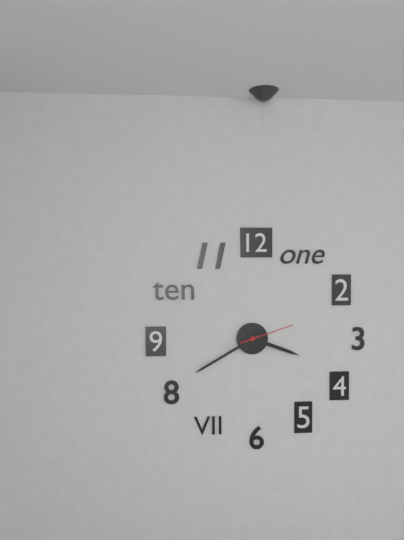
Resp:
**3:40:12**
